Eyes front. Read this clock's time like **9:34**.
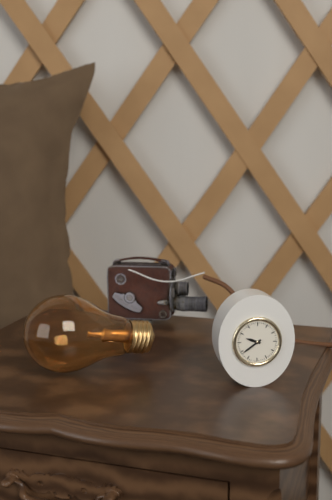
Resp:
**9:39**
